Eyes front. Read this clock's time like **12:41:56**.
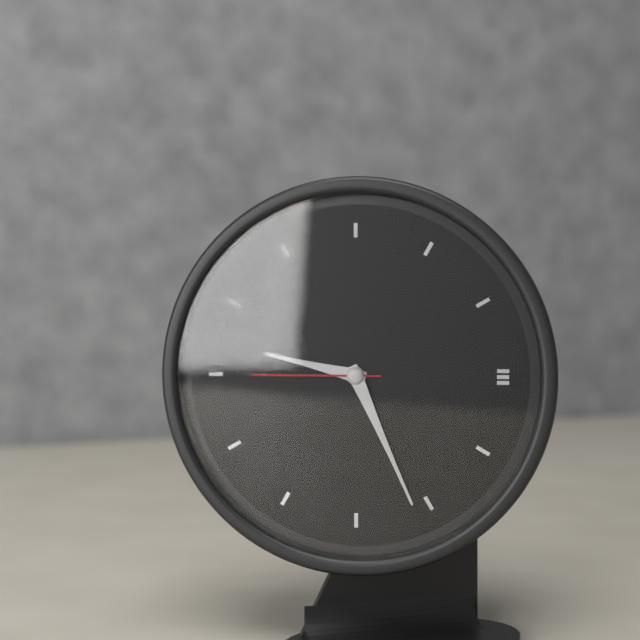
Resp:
**9:26:45**
